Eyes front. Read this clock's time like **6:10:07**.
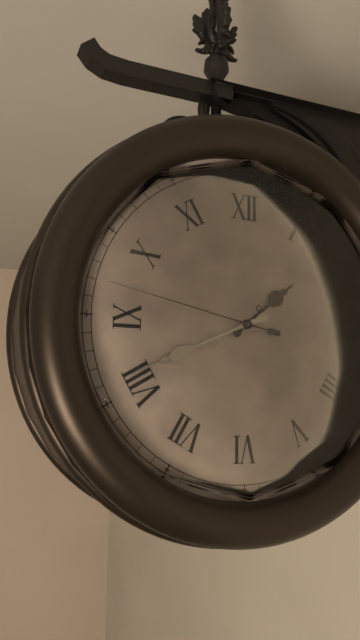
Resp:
**1:41:47**
